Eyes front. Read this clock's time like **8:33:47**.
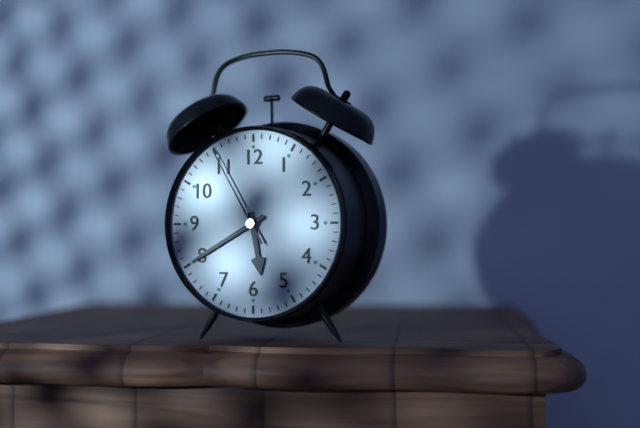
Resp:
**5:40:55**
